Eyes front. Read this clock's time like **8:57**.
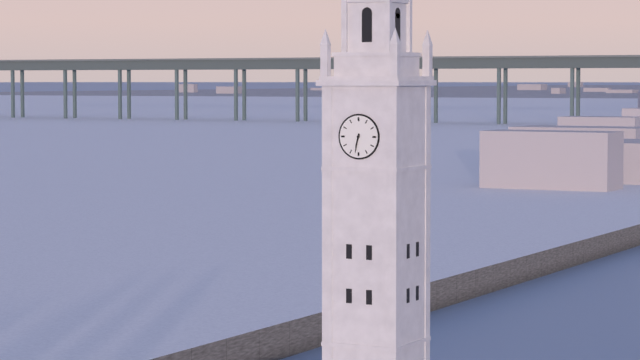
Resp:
**6:32**
